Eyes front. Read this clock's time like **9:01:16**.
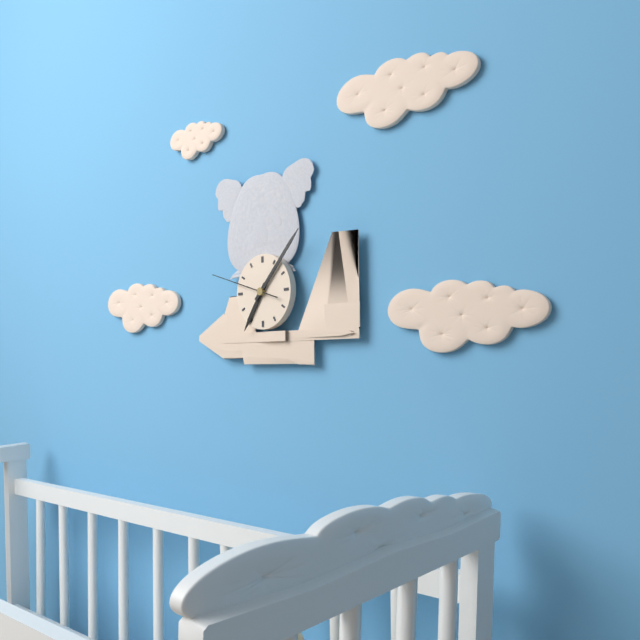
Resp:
**7:07:48**
